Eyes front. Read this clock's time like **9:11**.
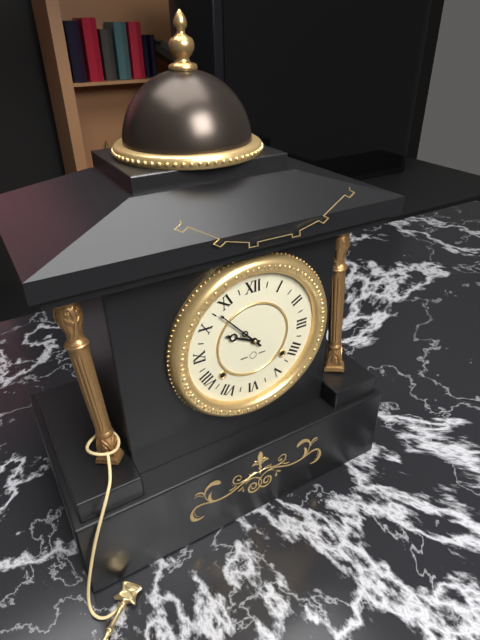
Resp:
**9:53**
